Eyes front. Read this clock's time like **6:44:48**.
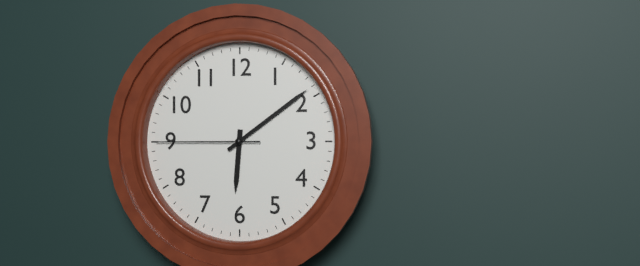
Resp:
**6:09:45**
